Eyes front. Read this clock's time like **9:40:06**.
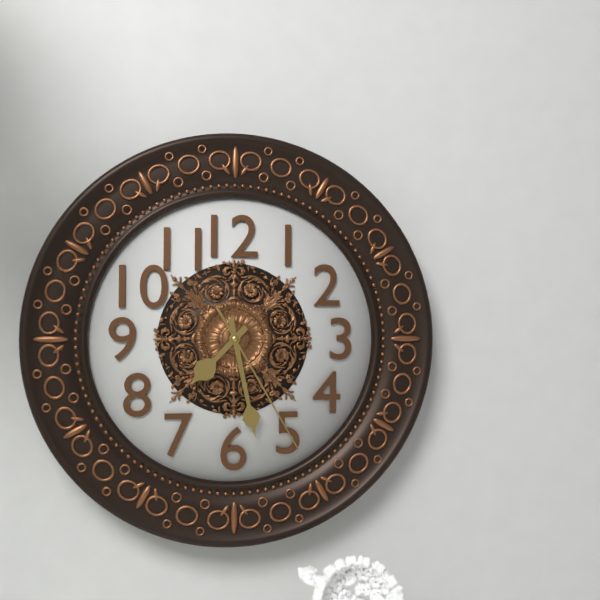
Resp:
**7:28:25**
